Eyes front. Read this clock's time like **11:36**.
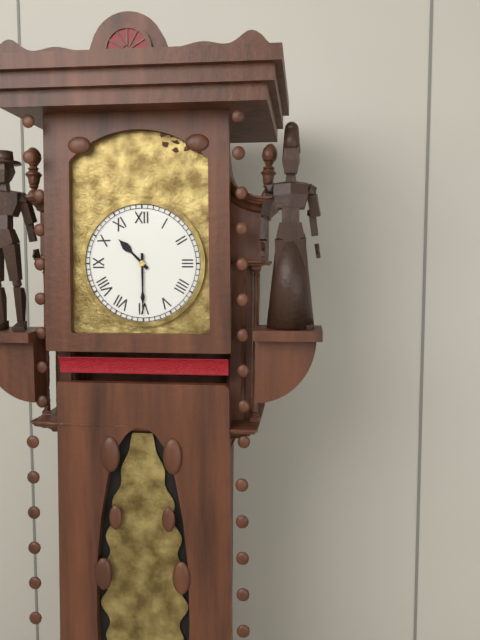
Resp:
**10:30**
